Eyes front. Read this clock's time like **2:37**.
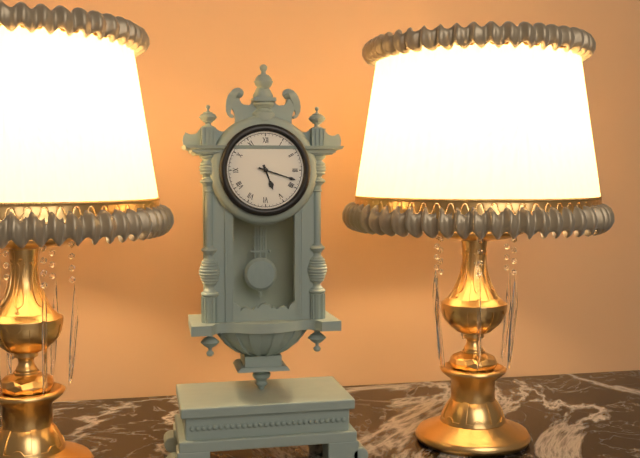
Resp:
**5:18**
